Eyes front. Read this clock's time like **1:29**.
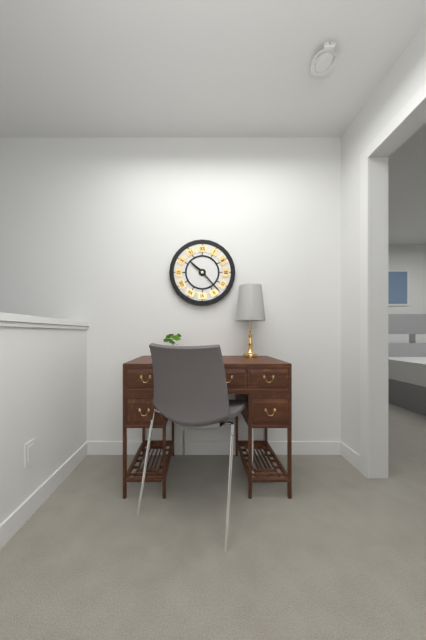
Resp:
**10:23**
